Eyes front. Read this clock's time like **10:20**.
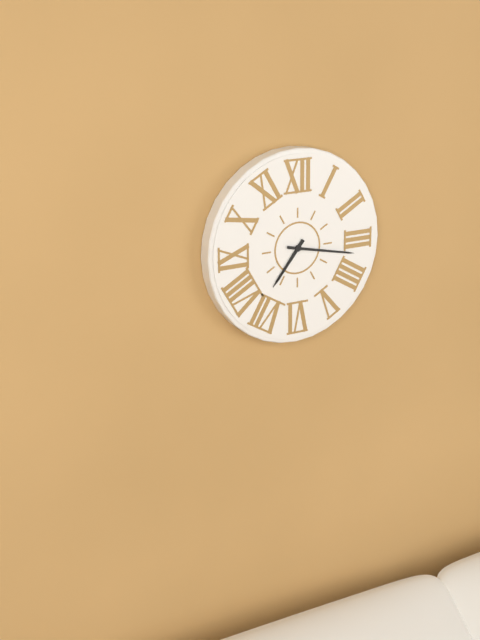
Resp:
**7:17**
